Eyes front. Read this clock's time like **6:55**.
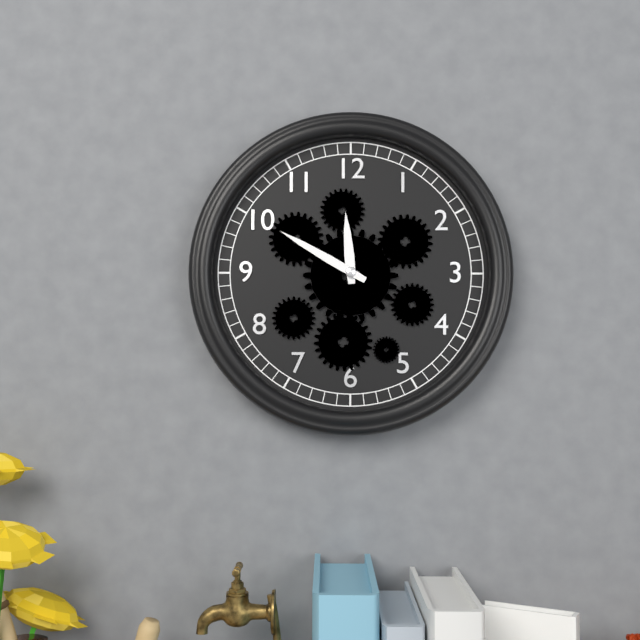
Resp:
**11:50**
